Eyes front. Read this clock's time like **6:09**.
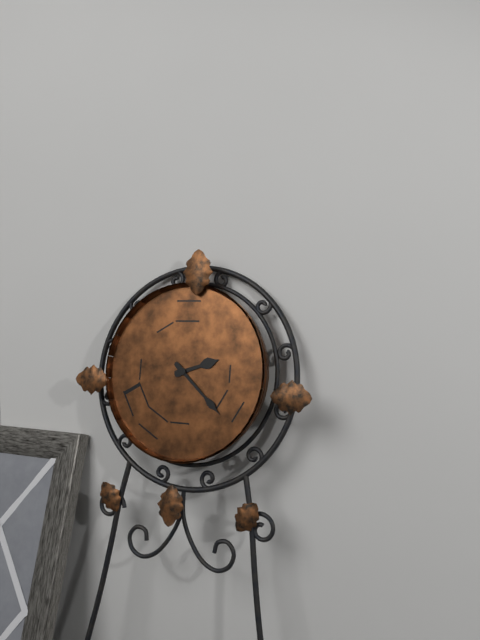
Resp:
**2:22**
